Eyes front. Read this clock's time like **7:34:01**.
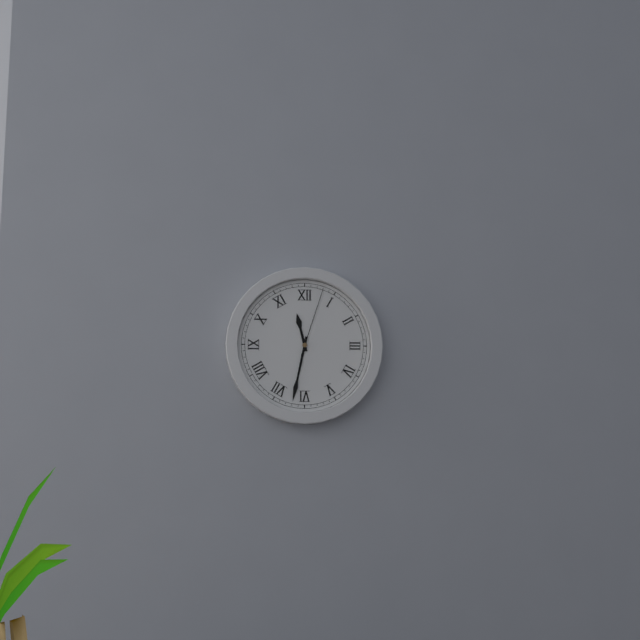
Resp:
**11:32:03**
